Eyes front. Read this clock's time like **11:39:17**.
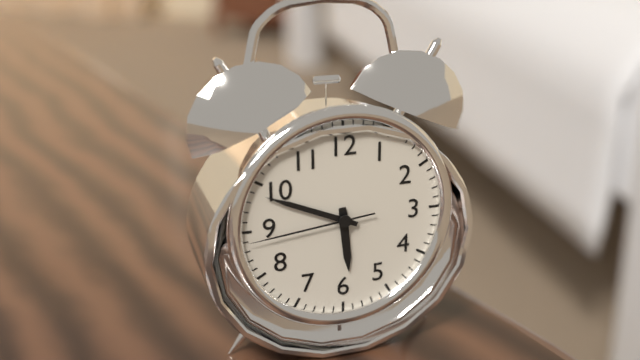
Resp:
**5:49:44**
